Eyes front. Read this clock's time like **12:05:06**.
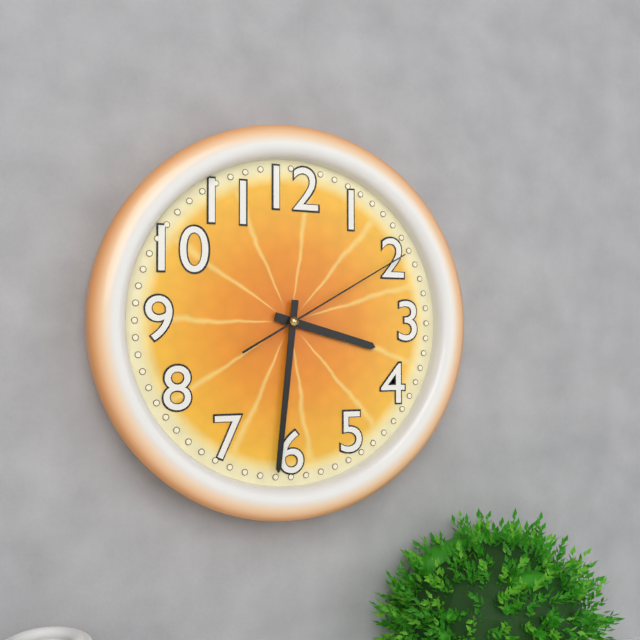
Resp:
**3:31:10**
